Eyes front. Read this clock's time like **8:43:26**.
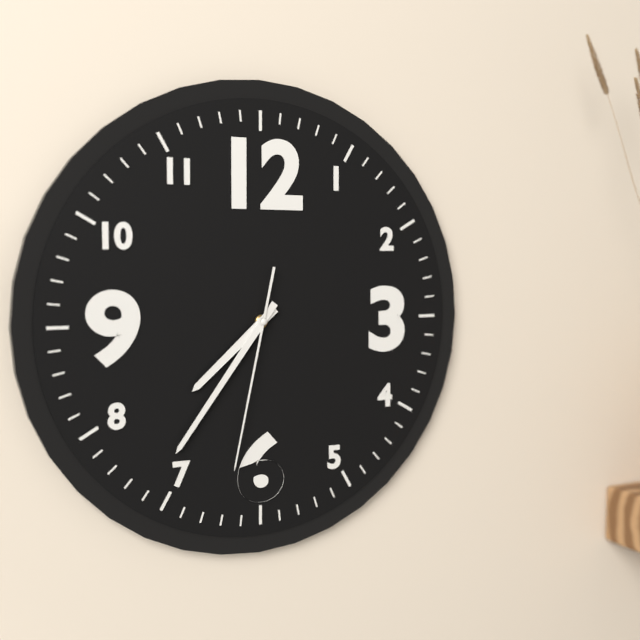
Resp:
**7:36:32**
